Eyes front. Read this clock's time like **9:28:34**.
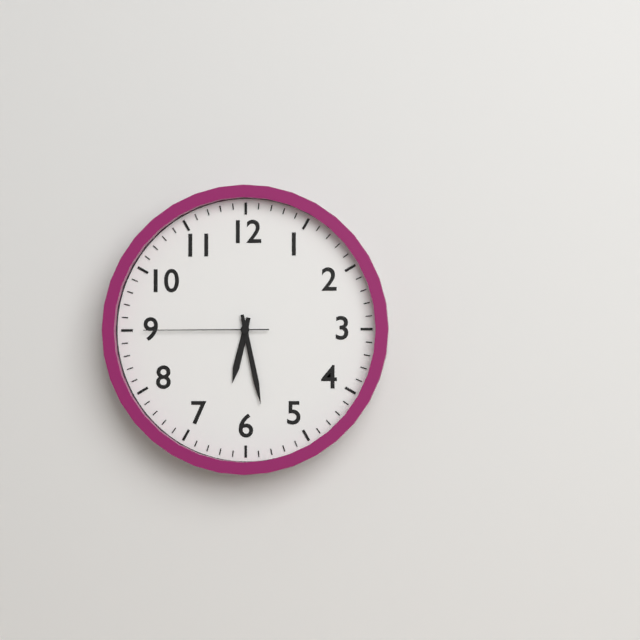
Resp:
**6:28:45**
